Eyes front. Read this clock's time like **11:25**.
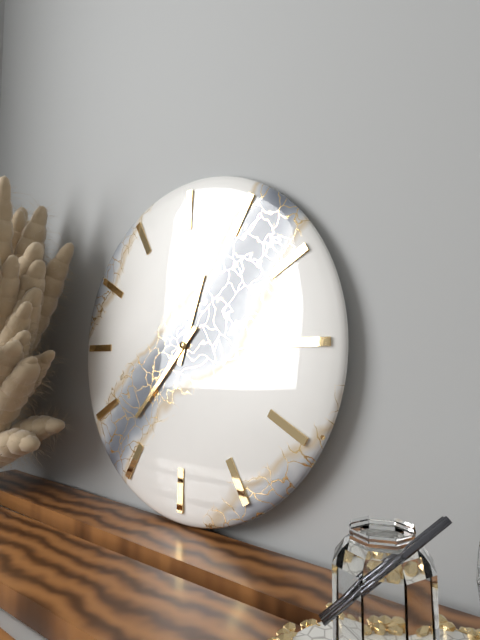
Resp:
**12:37**
